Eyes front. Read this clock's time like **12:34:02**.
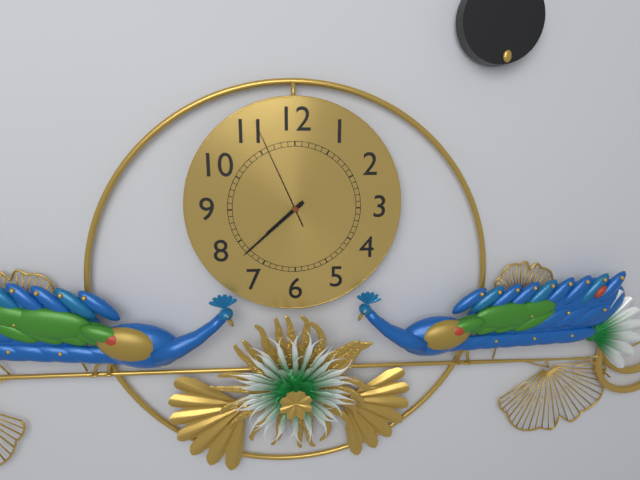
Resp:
**7:38:56**
